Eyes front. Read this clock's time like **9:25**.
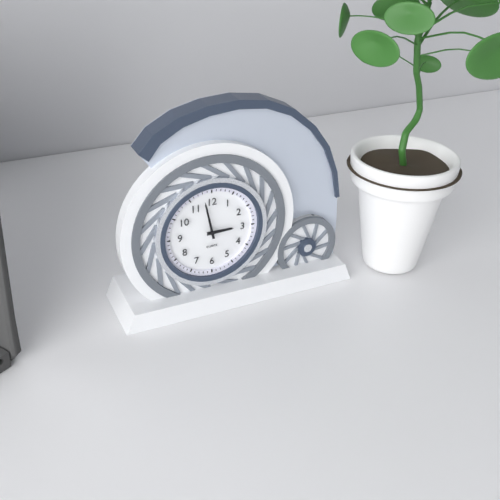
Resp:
**2:58**
